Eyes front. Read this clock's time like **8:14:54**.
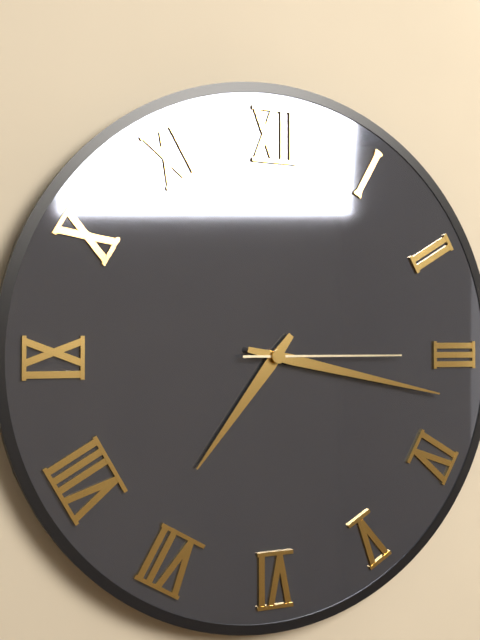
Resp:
**7:17:15**
